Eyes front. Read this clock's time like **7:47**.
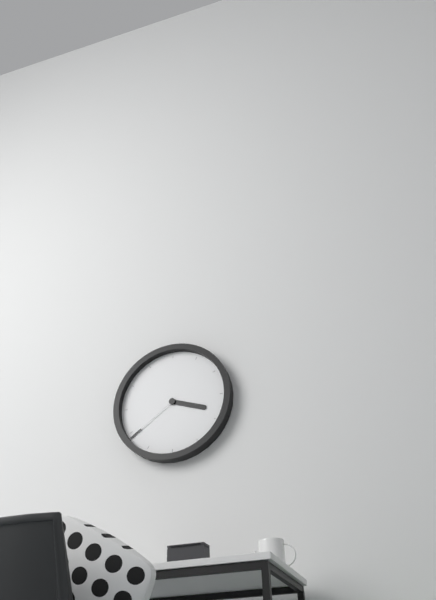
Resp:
**3:39**
